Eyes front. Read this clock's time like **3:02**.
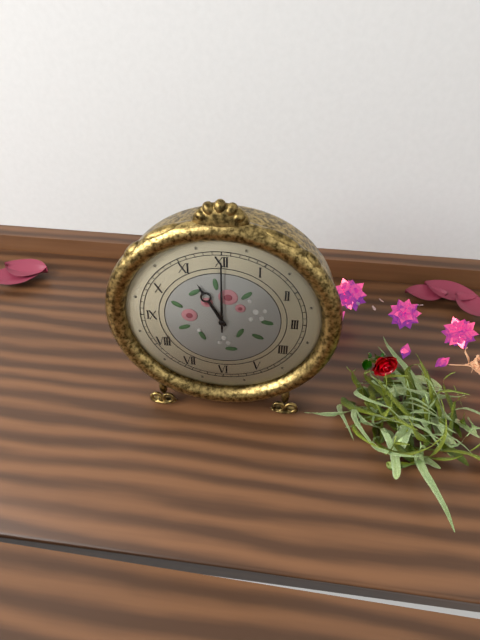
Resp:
**11:00**
